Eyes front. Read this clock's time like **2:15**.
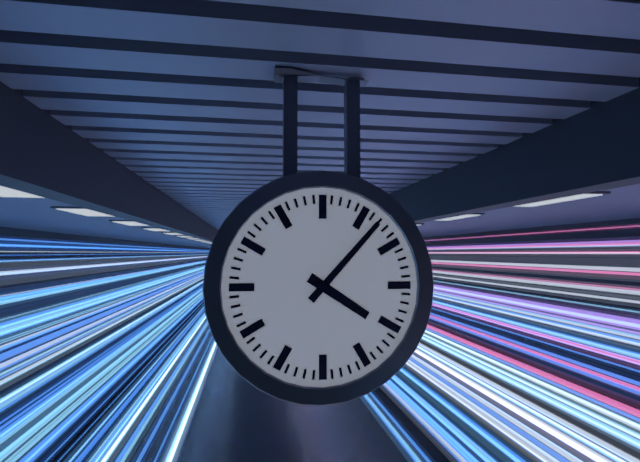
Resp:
**4:07**
